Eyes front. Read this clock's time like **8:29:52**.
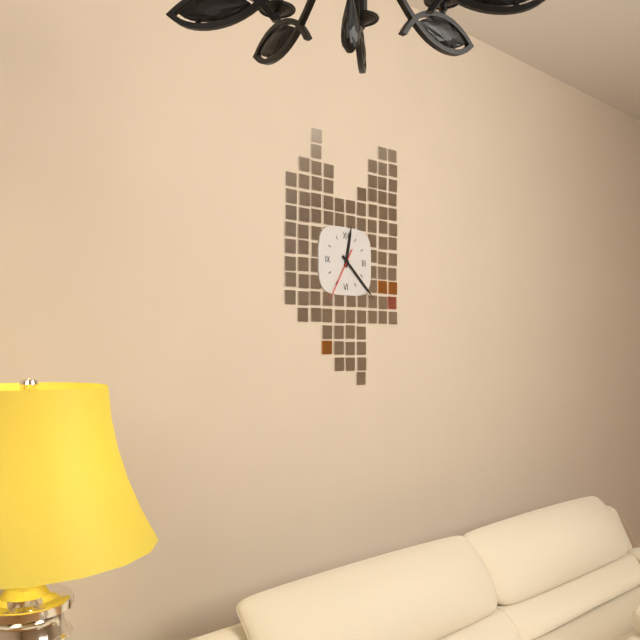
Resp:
**12:22:35**
